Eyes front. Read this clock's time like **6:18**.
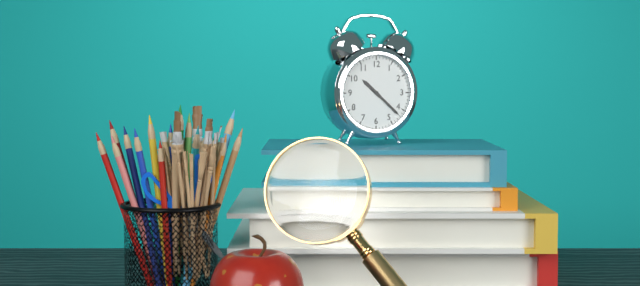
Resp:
**10:22**
